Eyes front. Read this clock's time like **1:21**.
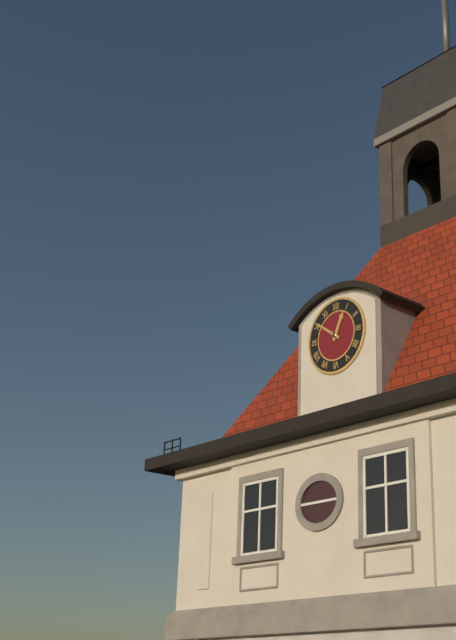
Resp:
**12:51**
